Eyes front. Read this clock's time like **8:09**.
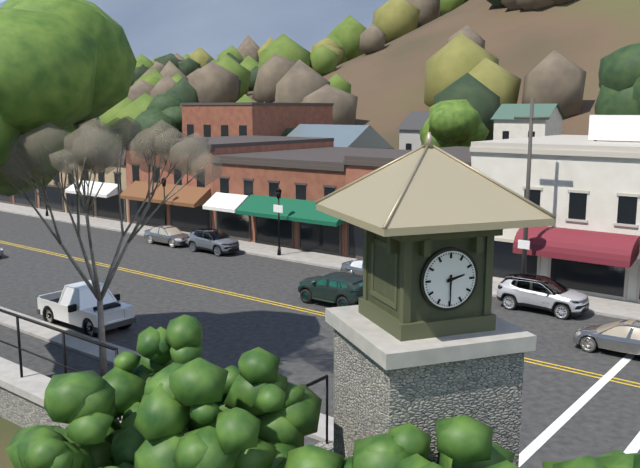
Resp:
**2:30**
